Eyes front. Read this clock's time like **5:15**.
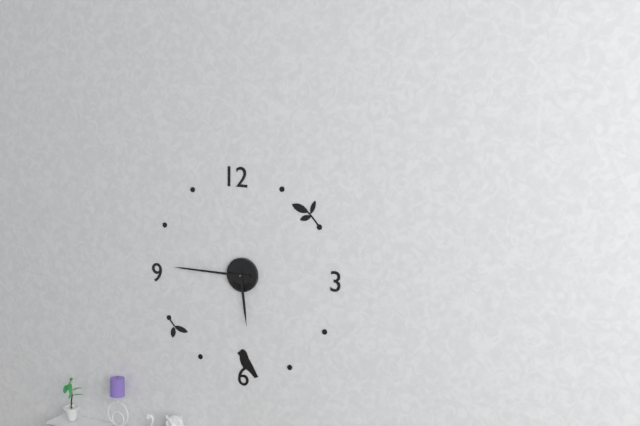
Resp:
**5:45**
